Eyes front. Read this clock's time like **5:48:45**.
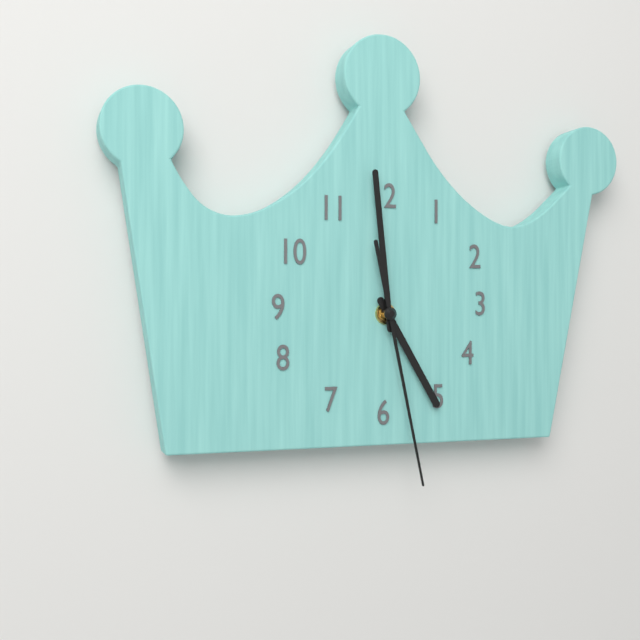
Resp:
**4:59:28**
